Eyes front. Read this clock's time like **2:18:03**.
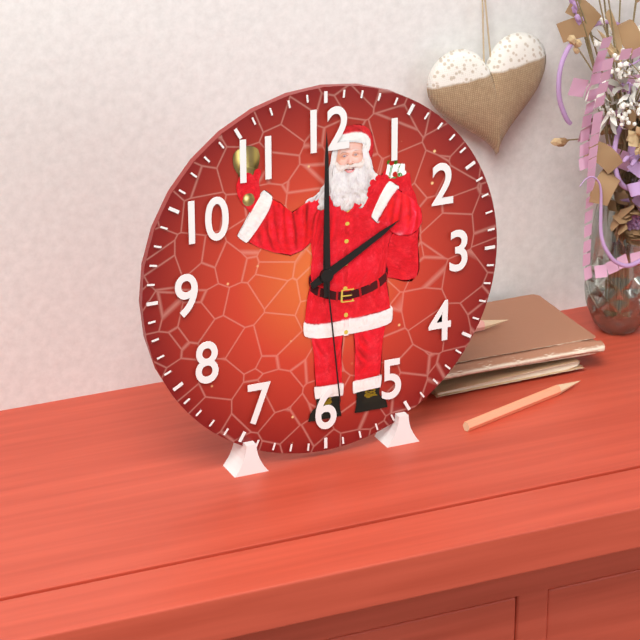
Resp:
**2:00:29**
